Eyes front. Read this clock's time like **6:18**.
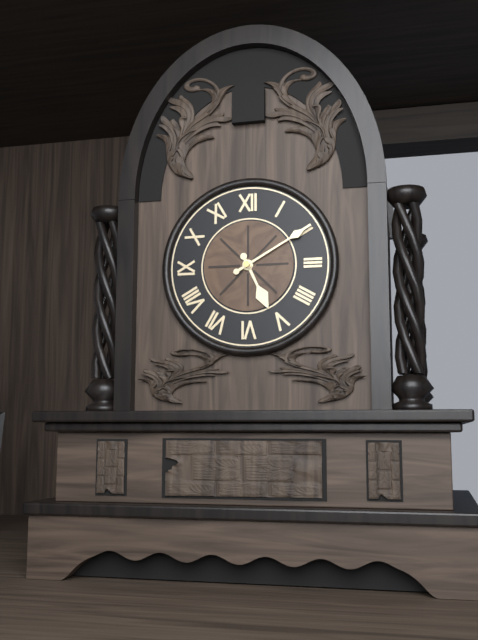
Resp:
**5:10**
